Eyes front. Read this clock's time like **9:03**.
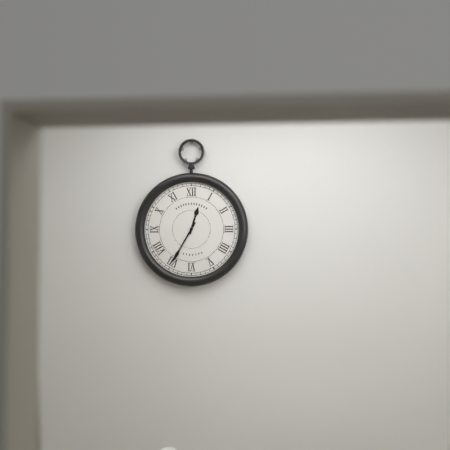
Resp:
**12:35**
